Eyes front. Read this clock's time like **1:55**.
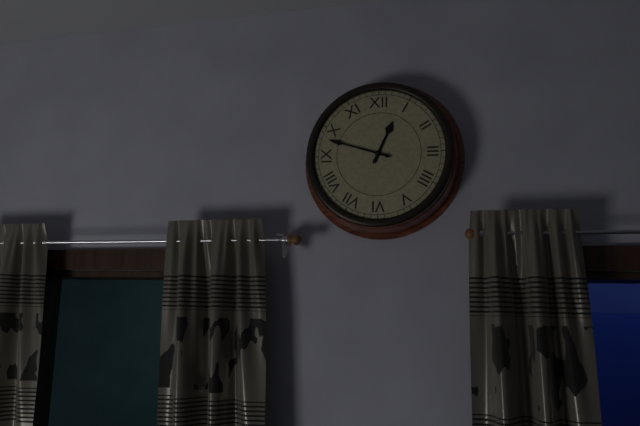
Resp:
**12:48**
